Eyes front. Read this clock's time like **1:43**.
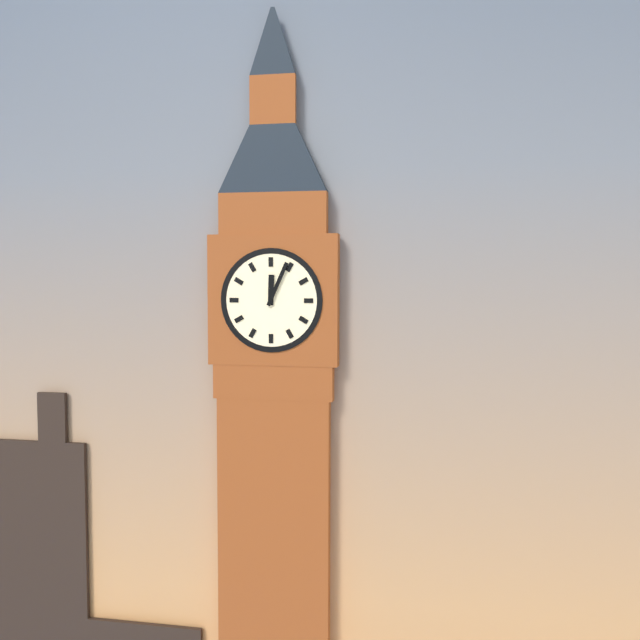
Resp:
**12:04**
